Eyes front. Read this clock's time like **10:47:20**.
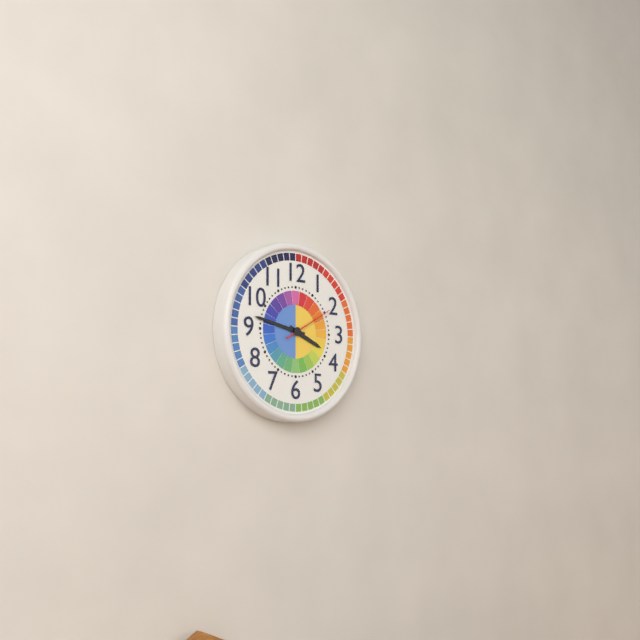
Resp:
**3:47:10**
